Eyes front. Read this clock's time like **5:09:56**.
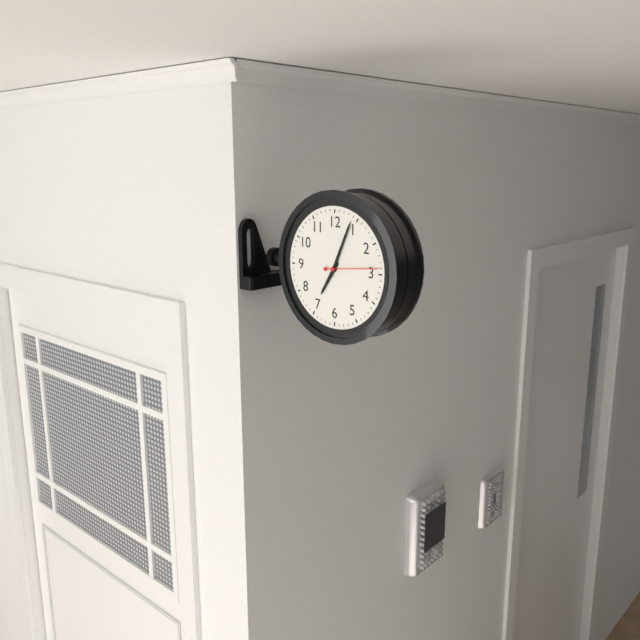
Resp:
**7:04:14**
